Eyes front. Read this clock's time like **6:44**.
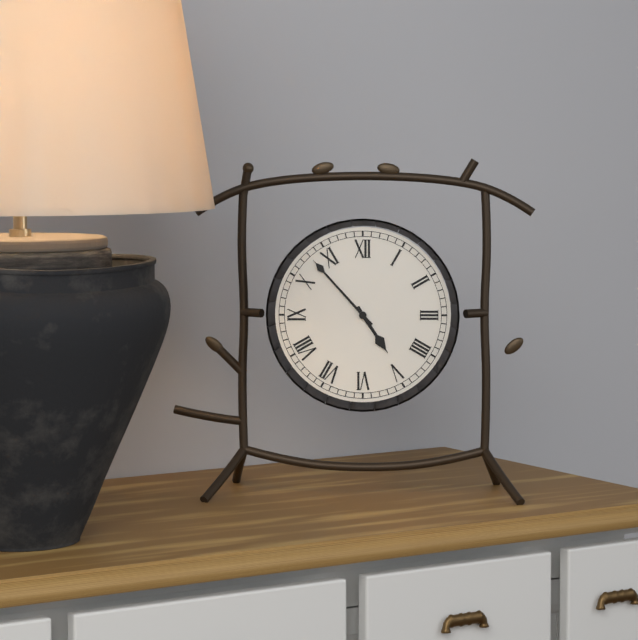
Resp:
**4:53**
